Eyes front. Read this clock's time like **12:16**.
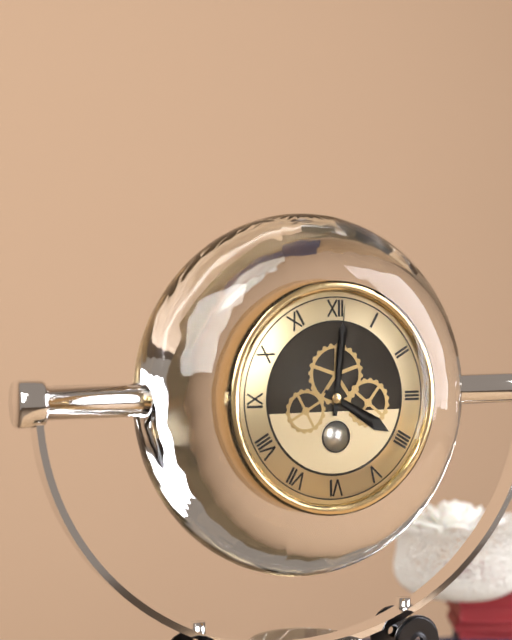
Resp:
**4:01**
